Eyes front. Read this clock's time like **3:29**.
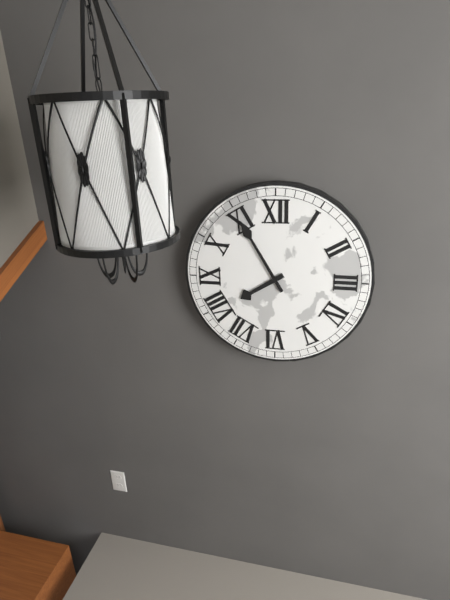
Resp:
**7:55**
